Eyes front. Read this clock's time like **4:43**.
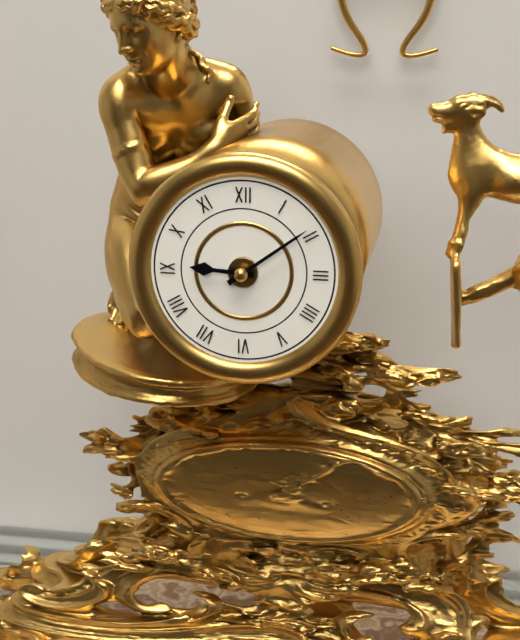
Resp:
**9:09**
